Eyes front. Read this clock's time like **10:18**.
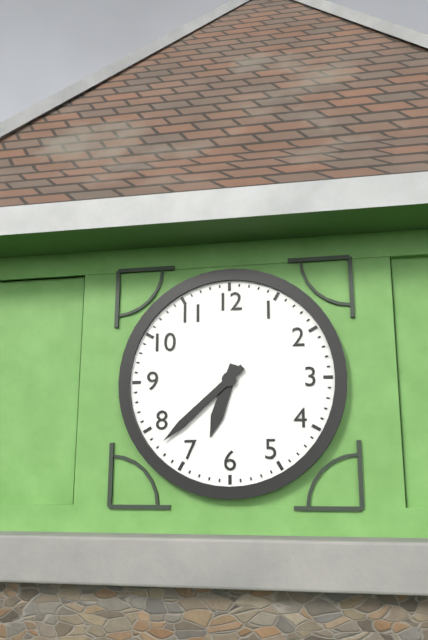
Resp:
**6:38**
